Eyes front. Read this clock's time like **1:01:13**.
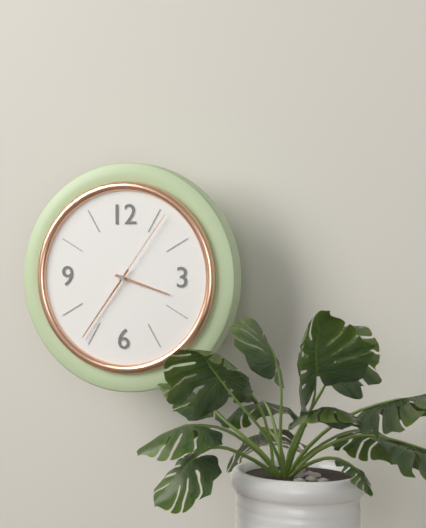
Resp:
**3:36:06**
